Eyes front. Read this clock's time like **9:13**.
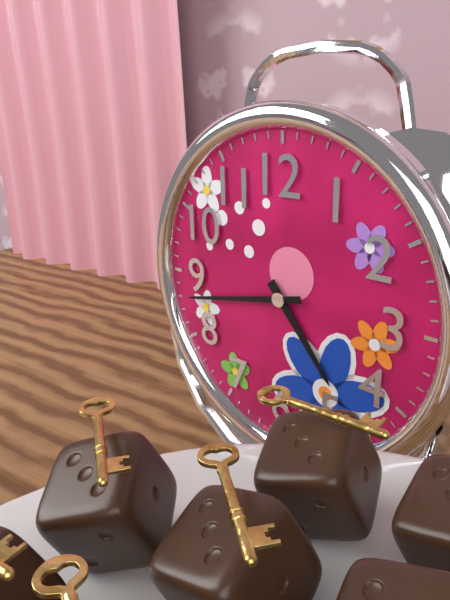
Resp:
**4:43**
